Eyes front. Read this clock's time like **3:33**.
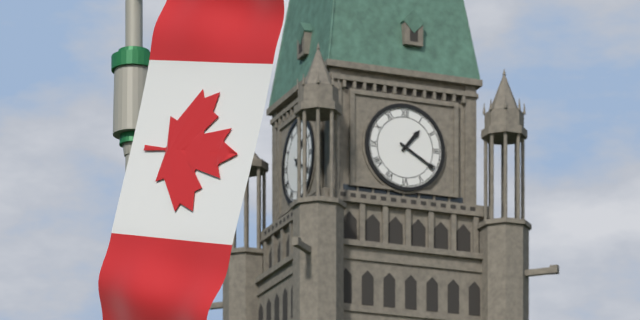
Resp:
**1:20**
